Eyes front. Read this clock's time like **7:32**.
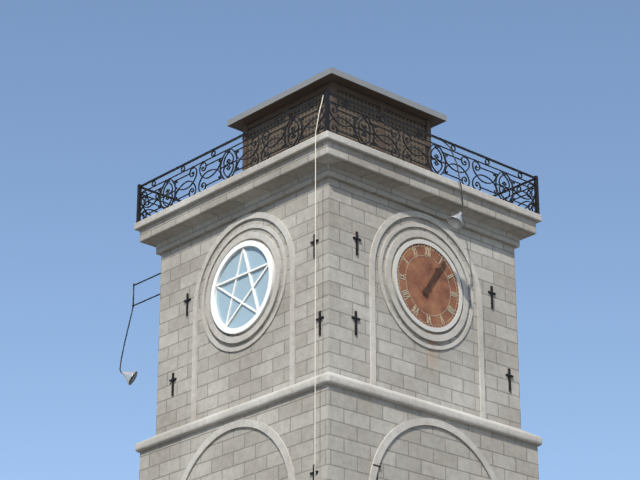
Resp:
**1:06**
